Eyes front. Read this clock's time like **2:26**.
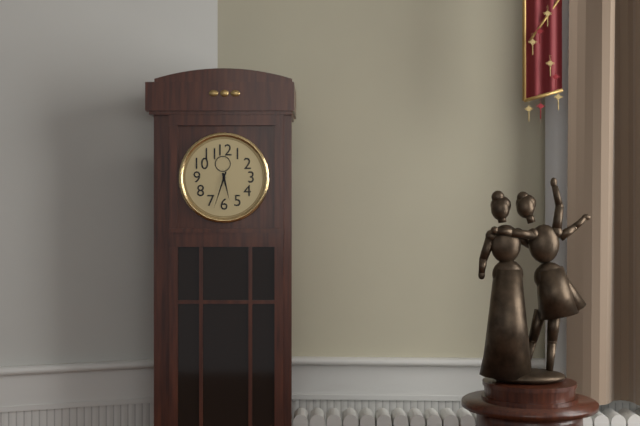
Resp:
**5:33**
